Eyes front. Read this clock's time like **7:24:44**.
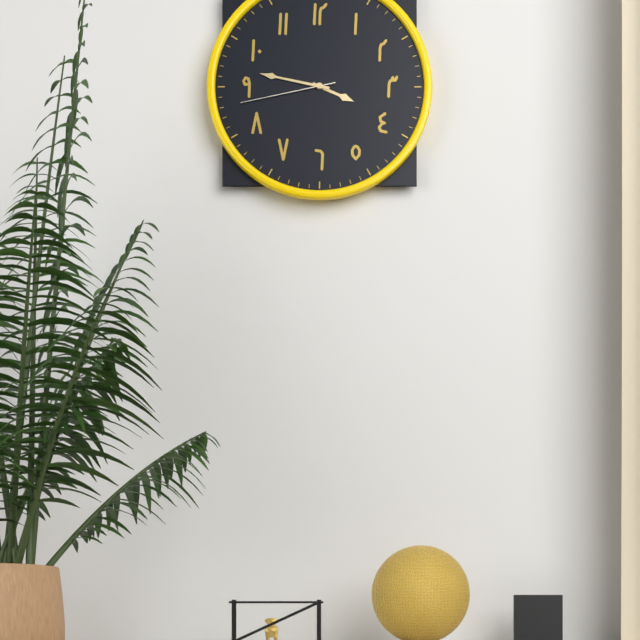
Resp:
**3:47:43**
